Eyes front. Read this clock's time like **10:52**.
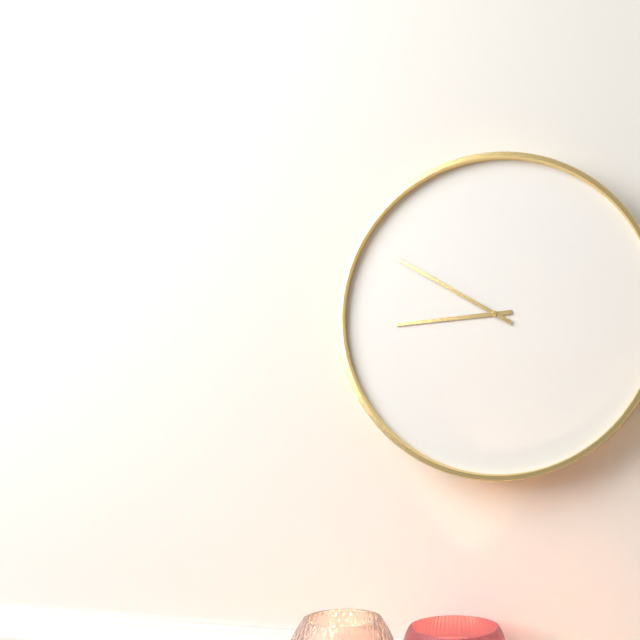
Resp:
**8:50**
